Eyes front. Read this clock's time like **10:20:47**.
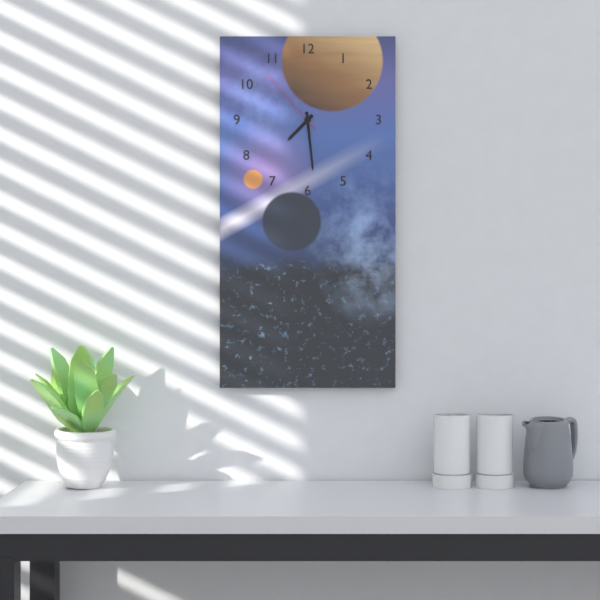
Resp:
**7:29:53**
